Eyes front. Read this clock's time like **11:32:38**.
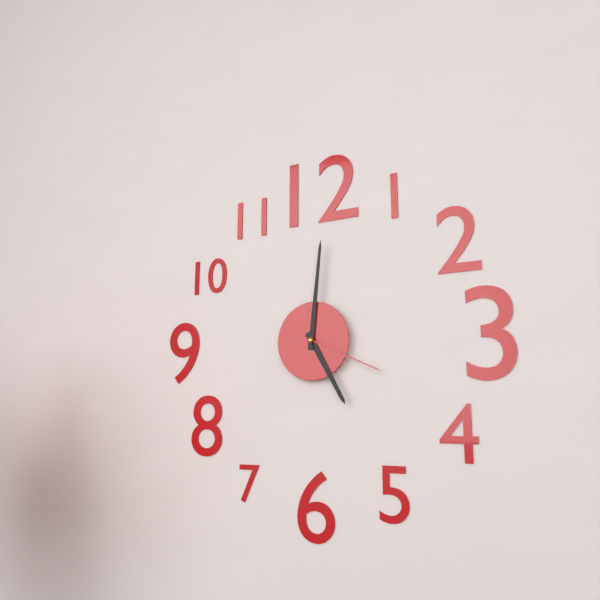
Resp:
**5:01:19**
